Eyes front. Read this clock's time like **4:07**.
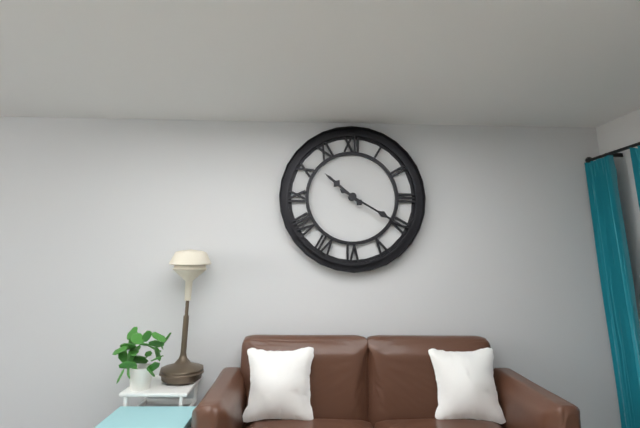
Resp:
**10:20**
